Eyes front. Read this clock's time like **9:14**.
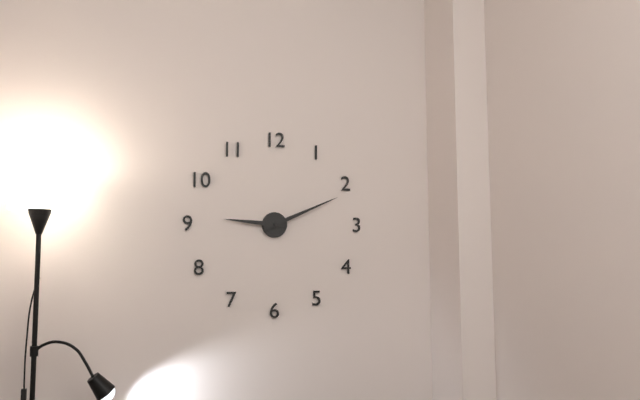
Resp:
**9:11**
